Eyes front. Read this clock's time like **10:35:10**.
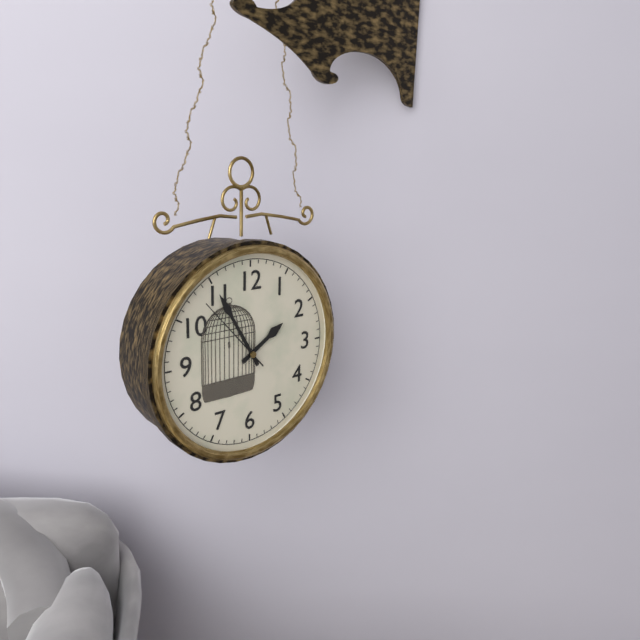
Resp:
**1:55:53**
